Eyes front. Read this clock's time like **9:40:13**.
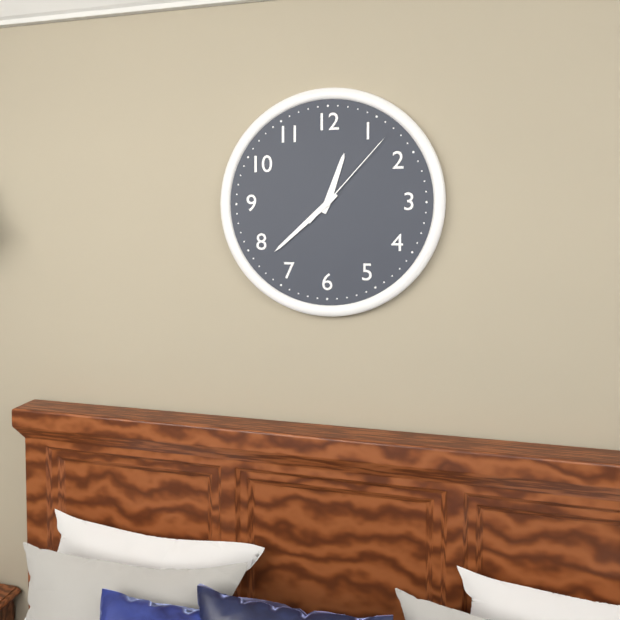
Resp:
**12:38:07**
